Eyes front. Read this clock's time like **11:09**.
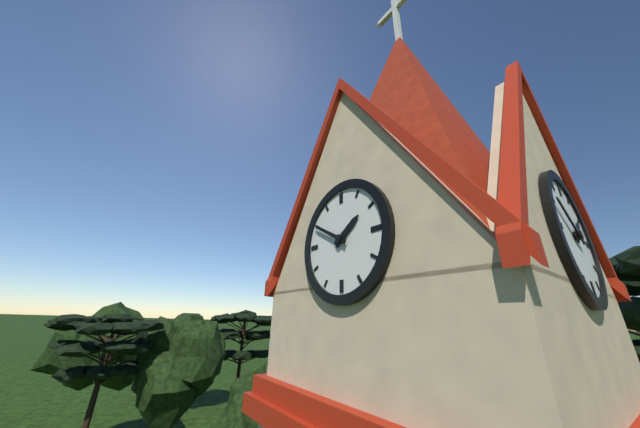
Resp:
**1:50**
